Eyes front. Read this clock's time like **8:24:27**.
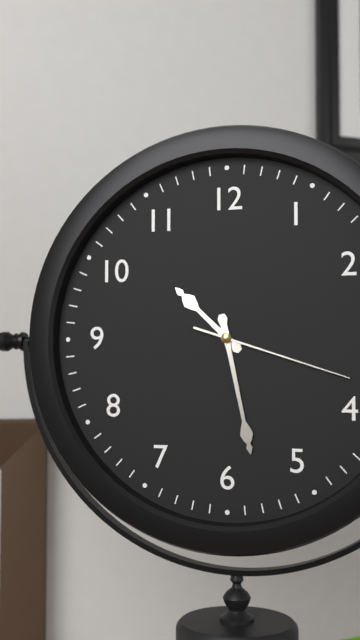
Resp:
**10:28:18**
